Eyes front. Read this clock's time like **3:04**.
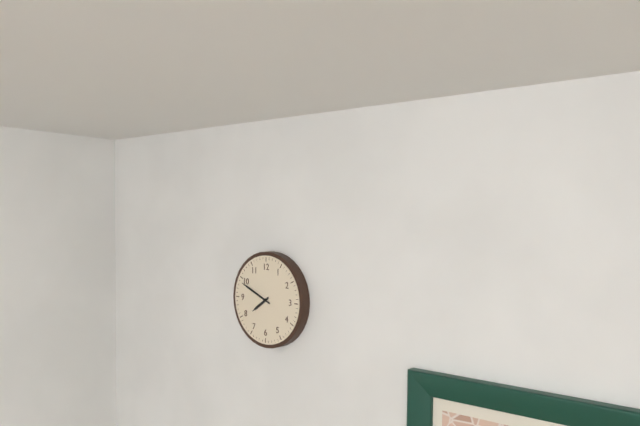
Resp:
**7:49**
